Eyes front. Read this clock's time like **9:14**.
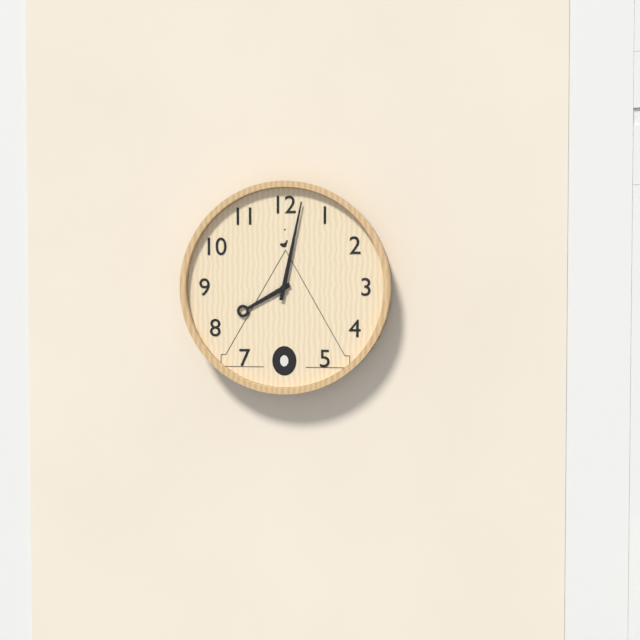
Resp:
**8:02**
